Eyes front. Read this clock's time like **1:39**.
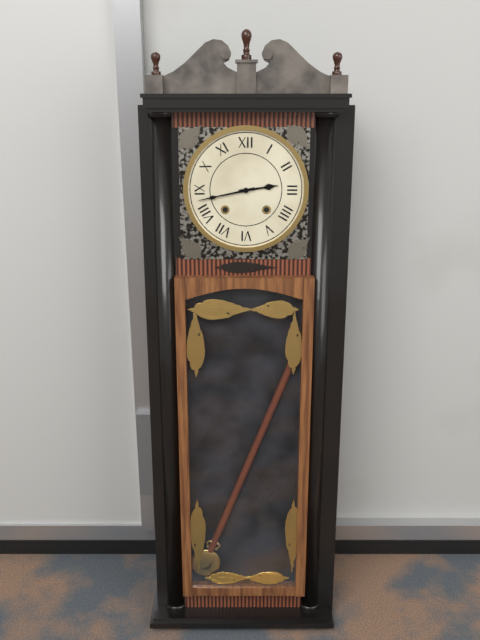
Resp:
**2:43**
